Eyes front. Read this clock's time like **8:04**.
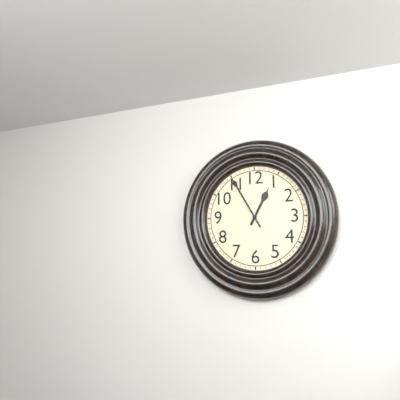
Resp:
**12:55**
